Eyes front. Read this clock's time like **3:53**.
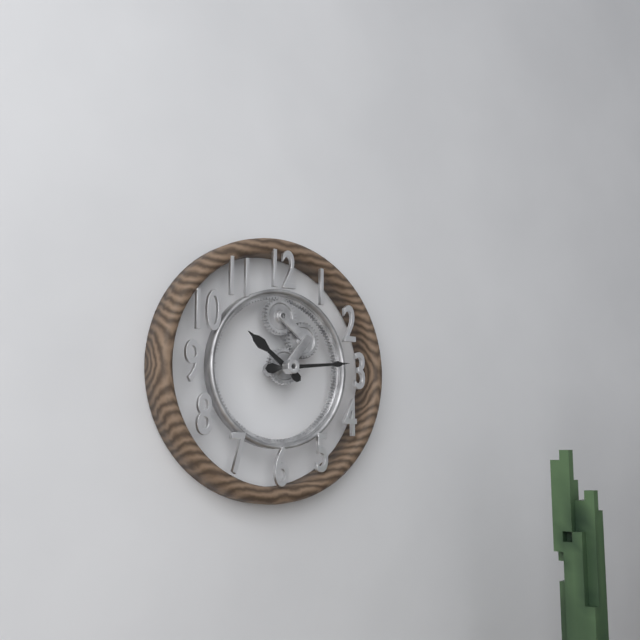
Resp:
**10:14**
